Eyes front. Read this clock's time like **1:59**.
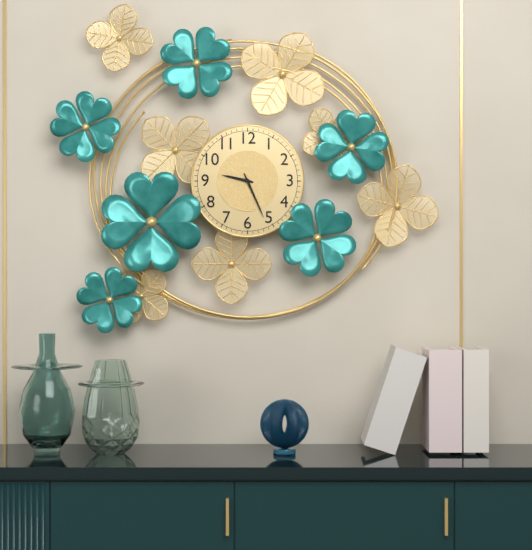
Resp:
**9:26**
